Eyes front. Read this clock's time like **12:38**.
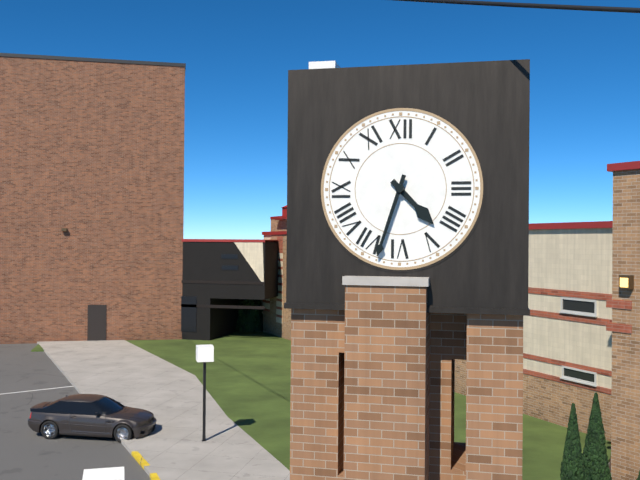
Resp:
**4:33**
